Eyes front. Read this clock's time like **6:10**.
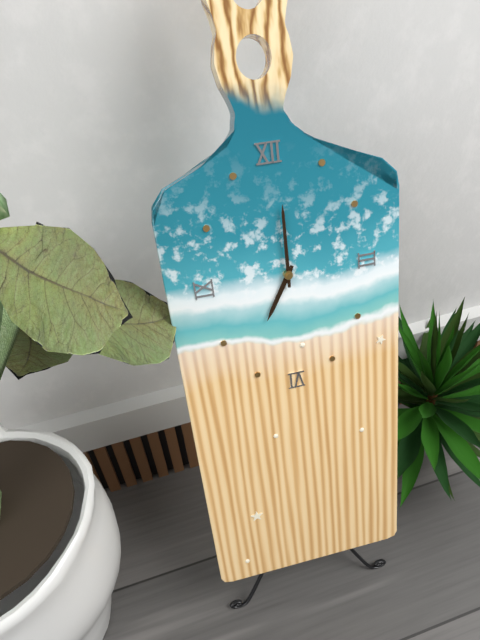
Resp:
**7:00**
